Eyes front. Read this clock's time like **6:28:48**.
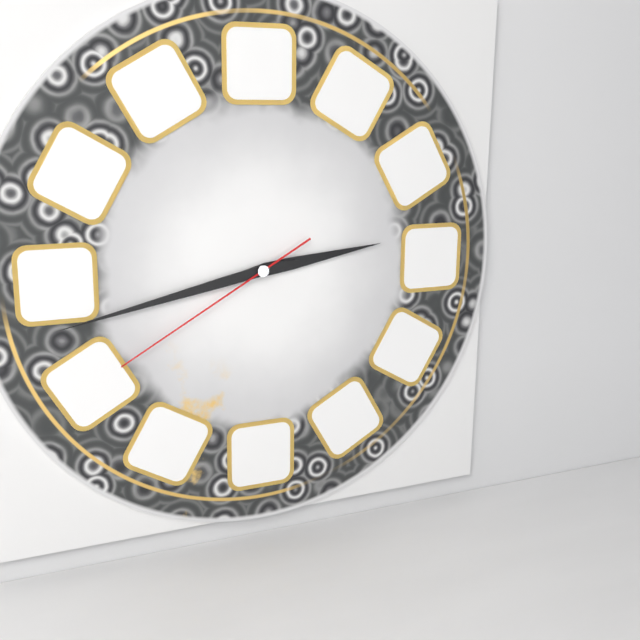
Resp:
**2:43:40**
